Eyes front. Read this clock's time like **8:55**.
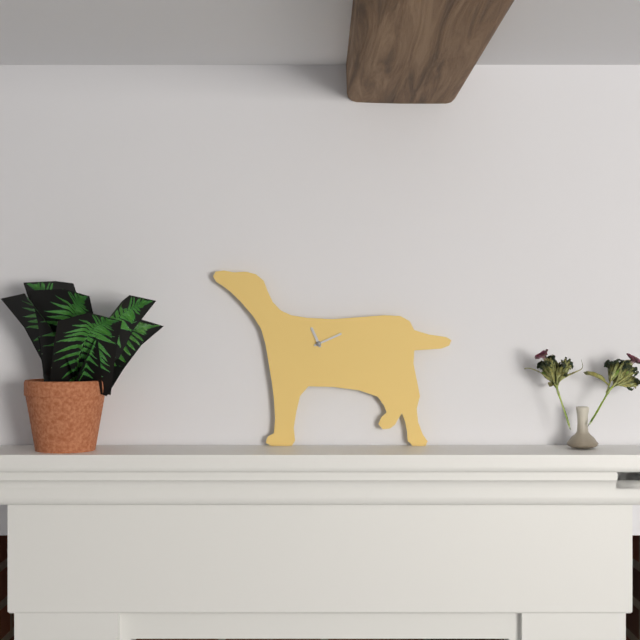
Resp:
**11:11**
